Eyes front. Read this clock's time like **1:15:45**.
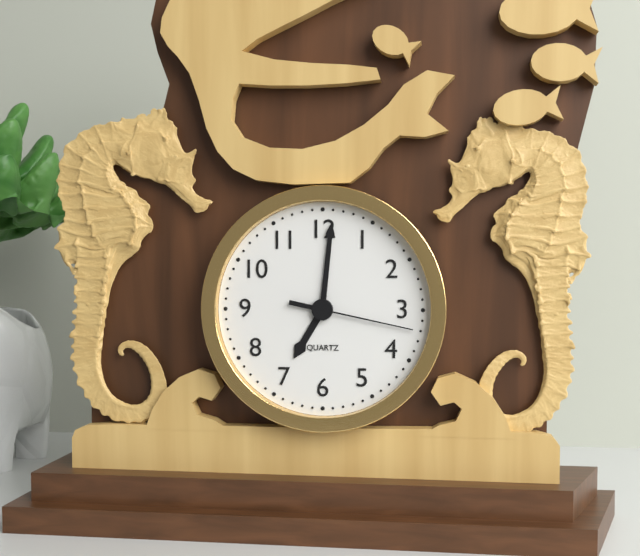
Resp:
**7:01:17**
